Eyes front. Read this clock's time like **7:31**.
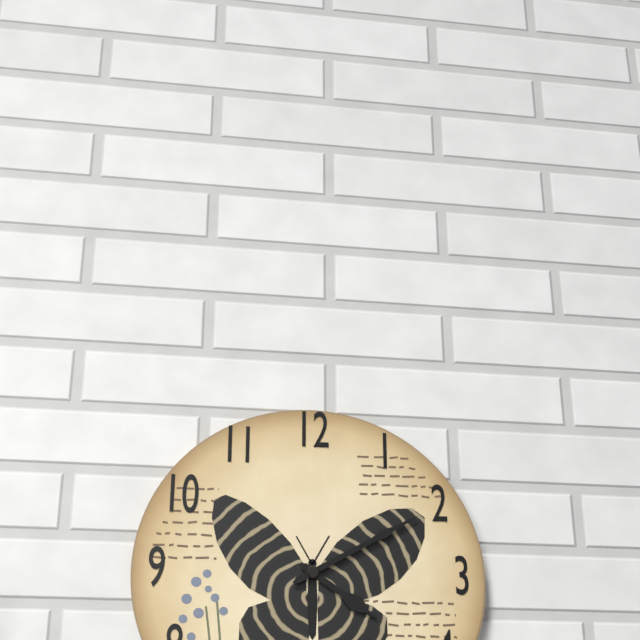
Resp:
**4:10**
